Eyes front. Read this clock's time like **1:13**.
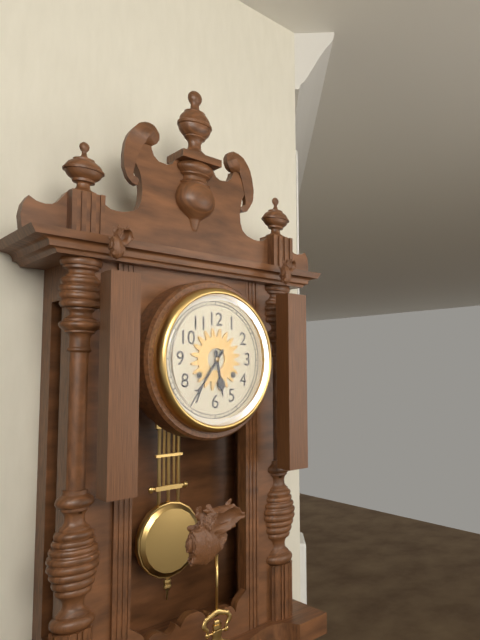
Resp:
**5:36**
